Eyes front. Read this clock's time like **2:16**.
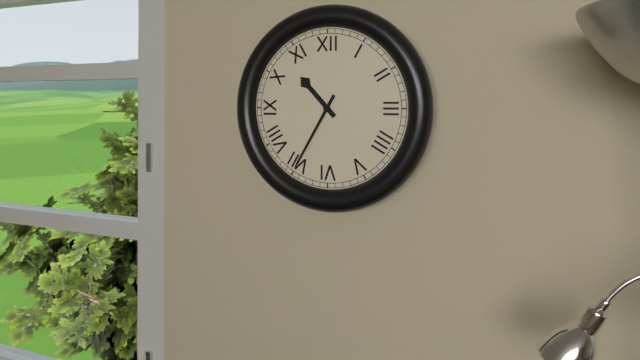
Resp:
**10:35**
